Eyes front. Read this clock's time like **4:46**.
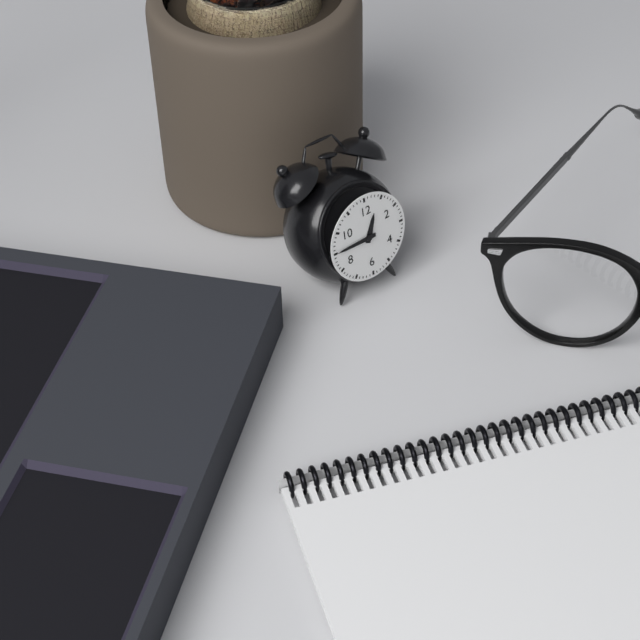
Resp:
**12:45**
